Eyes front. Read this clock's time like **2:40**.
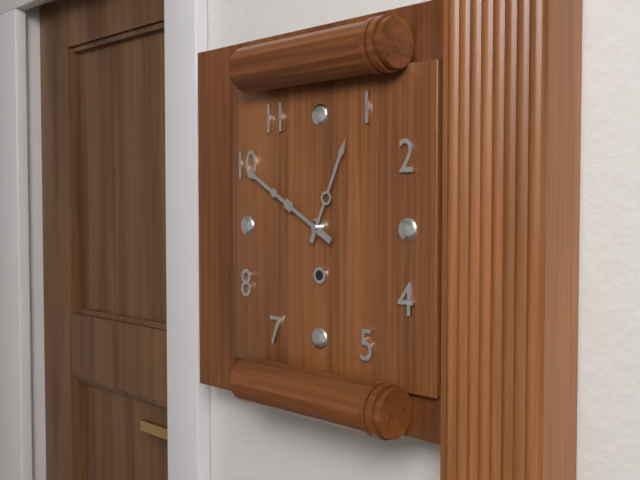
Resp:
**12:50**
